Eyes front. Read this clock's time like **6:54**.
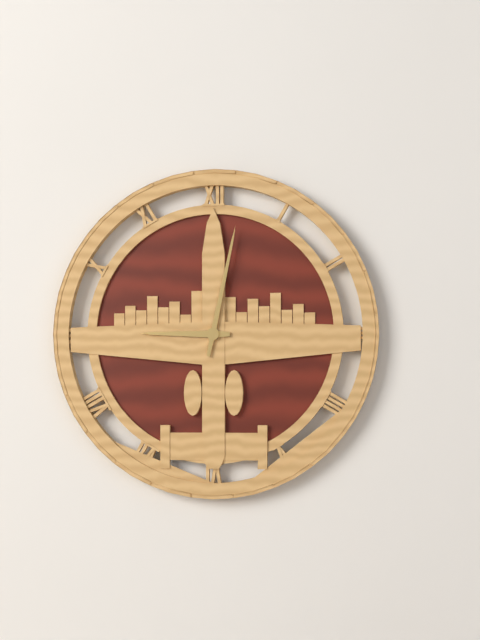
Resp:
**9:02**
